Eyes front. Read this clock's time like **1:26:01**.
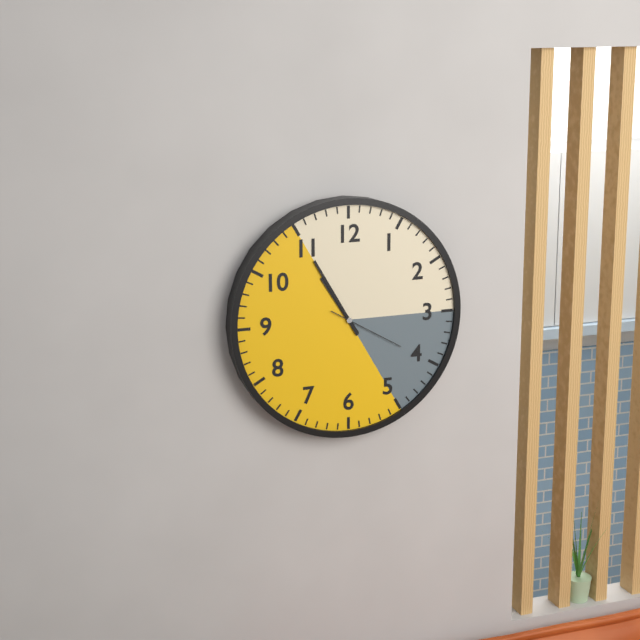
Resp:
**10:55:20**
